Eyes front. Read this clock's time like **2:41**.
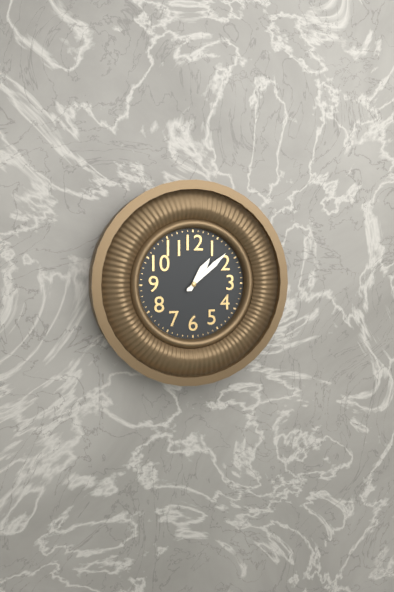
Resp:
**1:08**
